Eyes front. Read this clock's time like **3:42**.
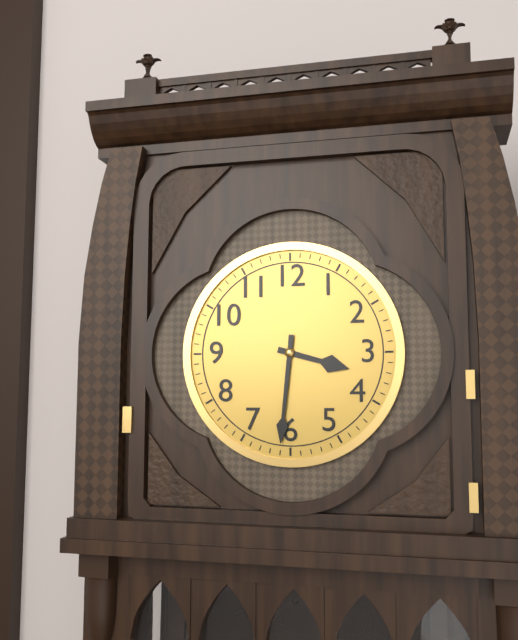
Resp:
**3:31**
